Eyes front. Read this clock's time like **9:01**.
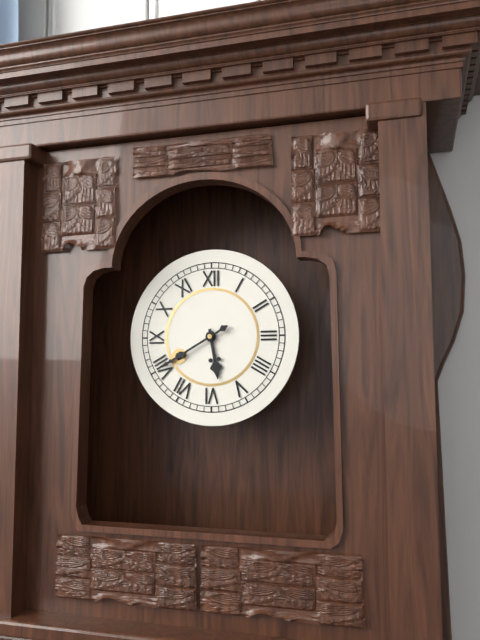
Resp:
**5:40**
